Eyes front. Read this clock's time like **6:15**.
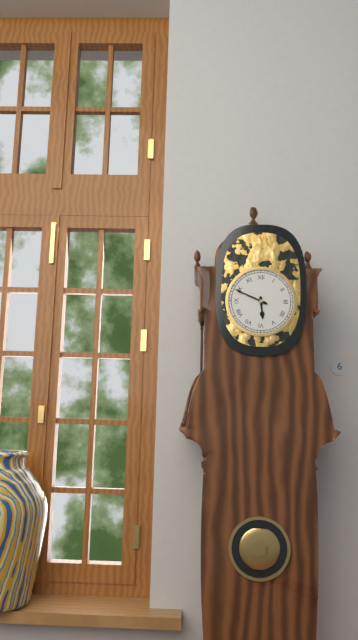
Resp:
**5:49**
